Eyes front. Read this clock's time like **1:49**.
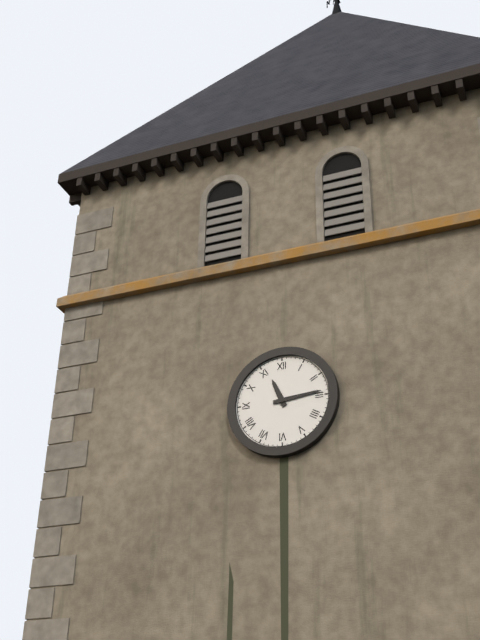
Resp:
**11:14**
